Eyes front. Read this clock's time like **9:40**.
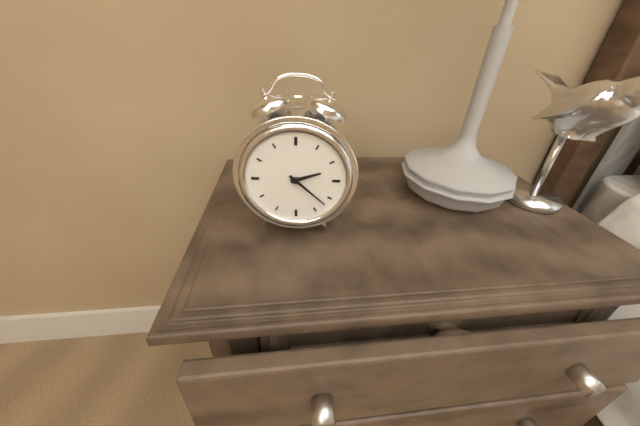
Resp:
**2:22**
